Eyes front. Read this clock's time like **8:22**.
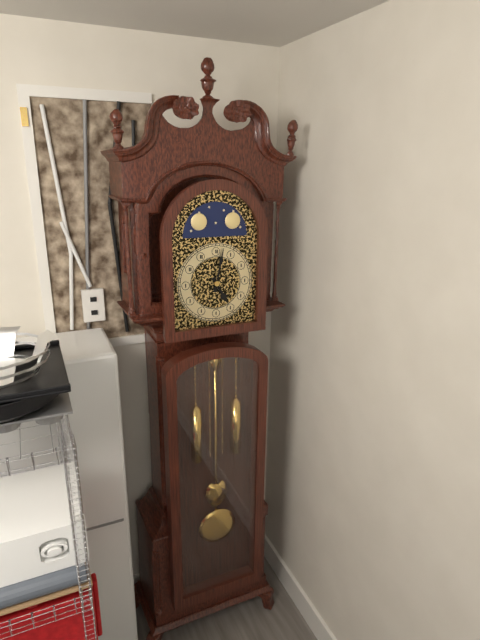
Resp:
**5:02**
